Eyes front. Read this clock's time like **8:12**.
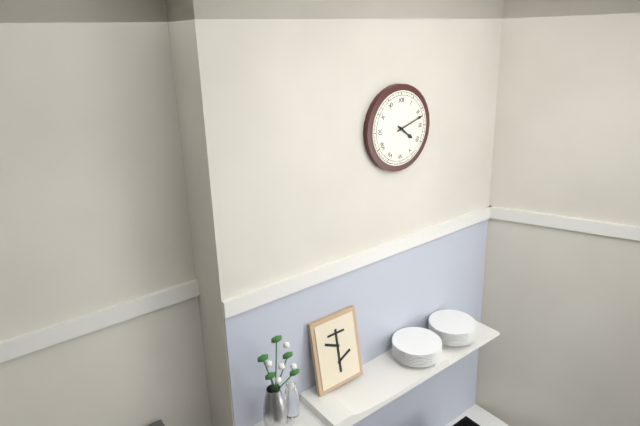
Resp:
**4:12**
